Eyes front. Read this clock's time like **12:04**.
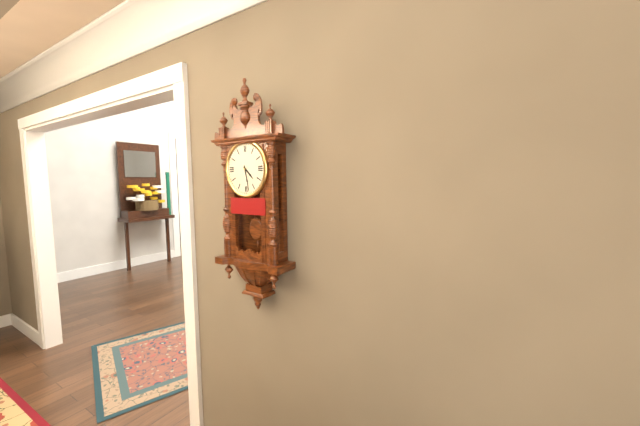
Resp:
**4:28**
